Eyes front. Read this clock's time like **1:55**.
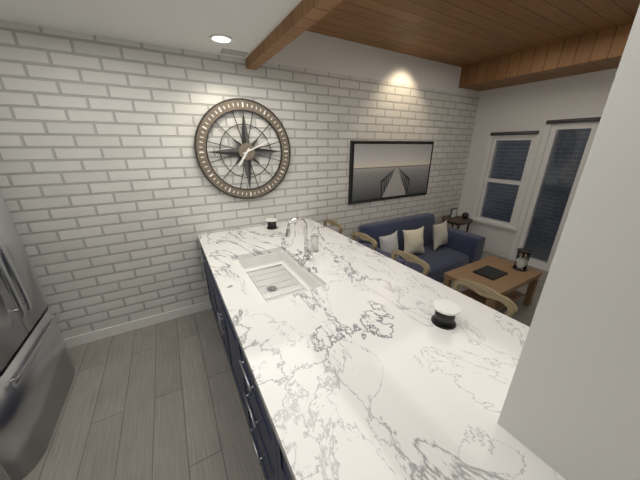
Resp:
**7:11**
